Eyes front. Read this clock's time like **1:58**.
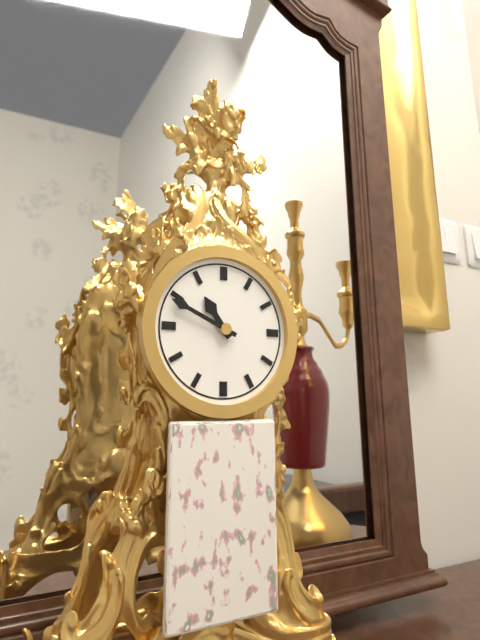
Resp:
**10:49**
